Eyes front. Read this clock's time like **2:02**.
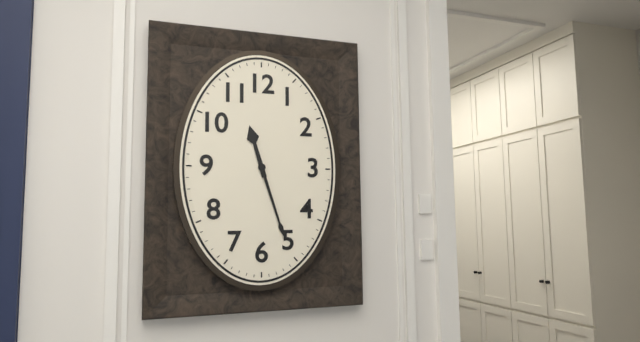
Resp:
**11:27**
